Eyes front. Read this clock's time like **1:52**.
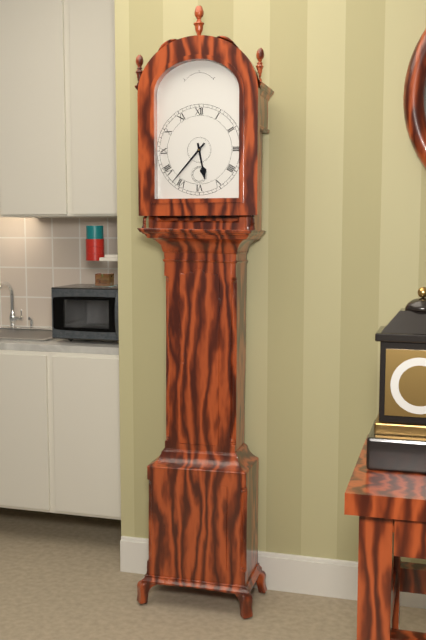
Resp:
**5:37**
